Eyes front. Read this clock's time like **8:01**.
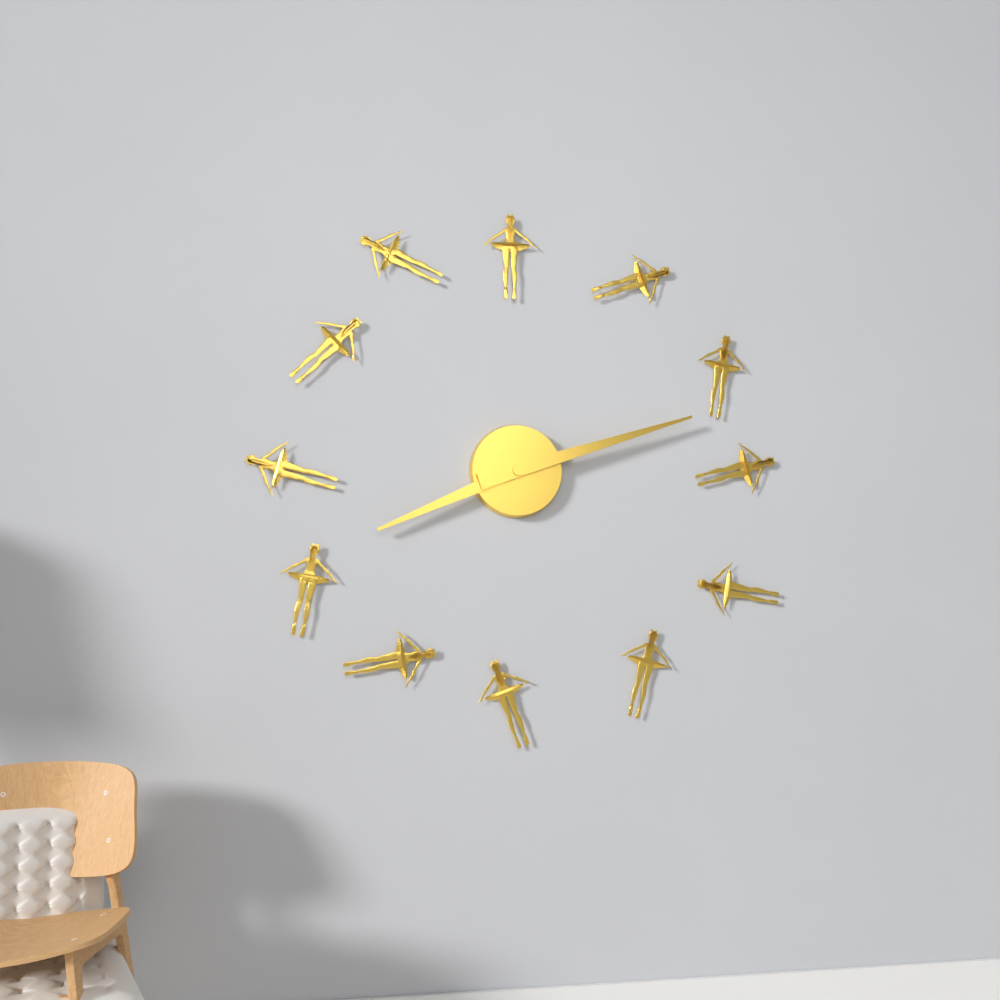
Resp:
**8:12**
